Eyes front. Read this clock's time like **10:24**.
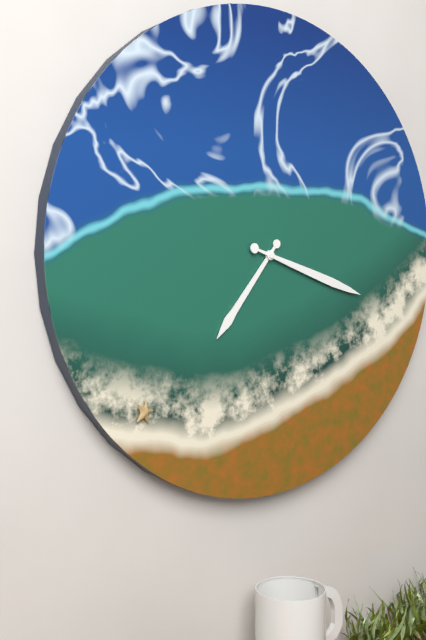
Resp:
**7:18**
